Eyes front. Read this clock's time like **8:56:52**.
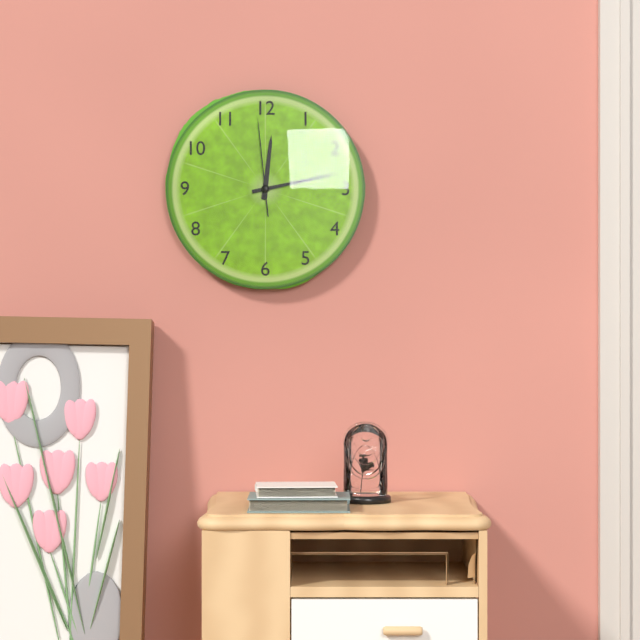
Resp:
**12:13:59**
